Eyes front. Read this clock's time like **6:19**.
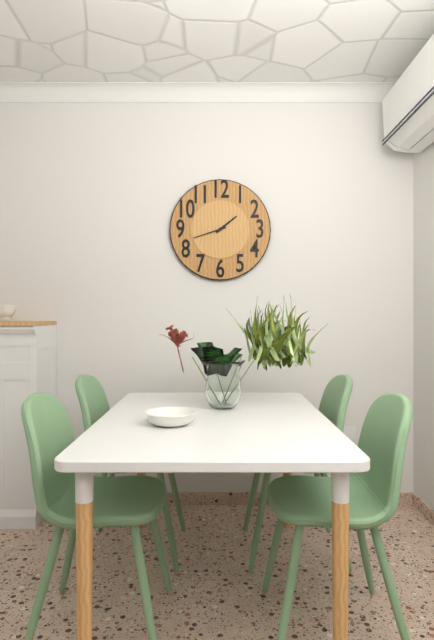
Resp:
**1:42**
